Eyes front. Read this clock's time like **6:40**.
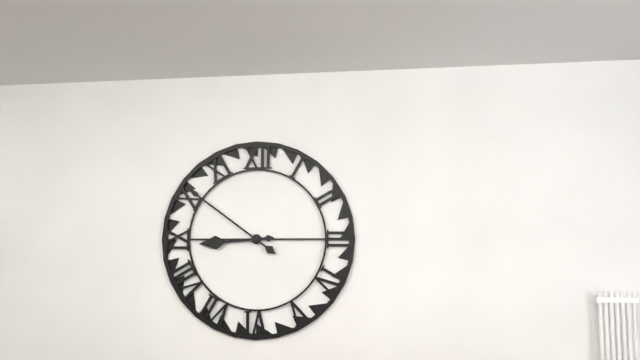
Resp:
**8:51**
